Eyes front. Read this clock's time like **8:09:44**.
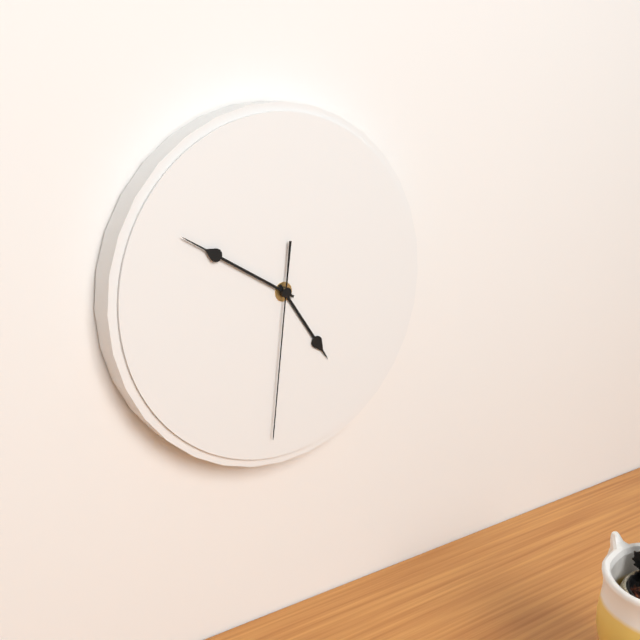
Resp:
**4:50:31**
